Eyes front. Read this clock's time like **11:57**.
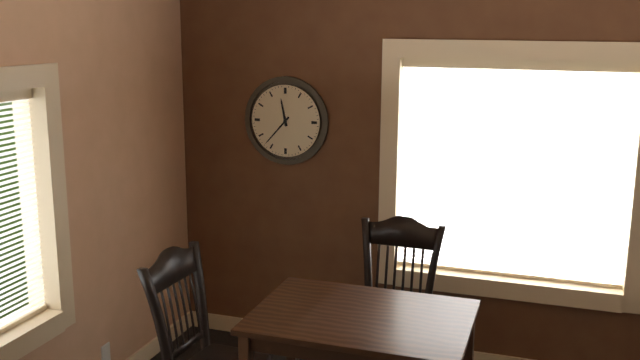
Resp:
**11:37**
